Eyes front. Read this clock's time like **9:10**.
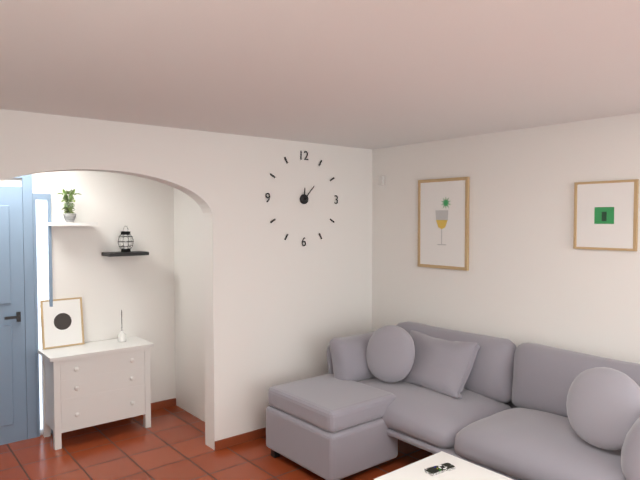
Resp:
**12:07**
